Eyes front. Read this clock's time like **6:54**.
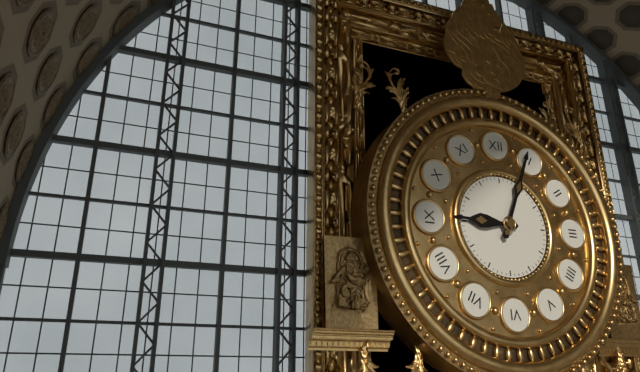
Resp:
**9:04**
